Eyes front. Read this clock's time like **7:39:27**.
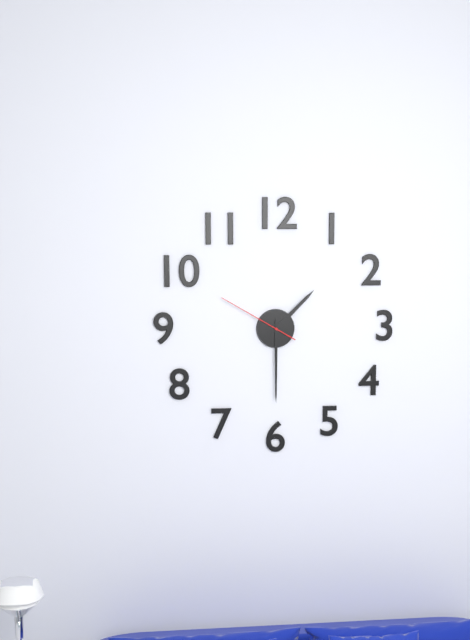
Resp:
**1:30:50**
